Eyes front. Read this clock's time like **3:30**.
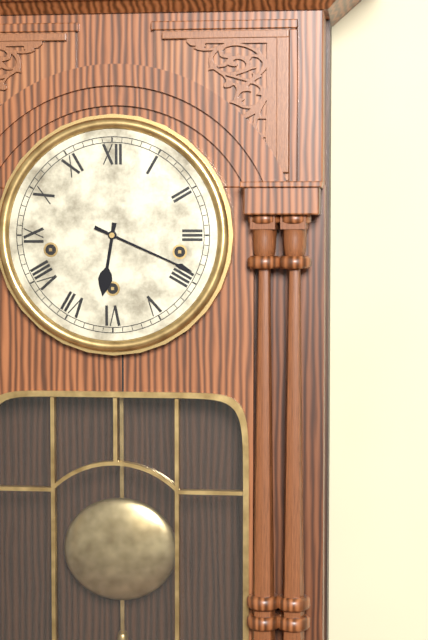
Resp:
**6:19**
